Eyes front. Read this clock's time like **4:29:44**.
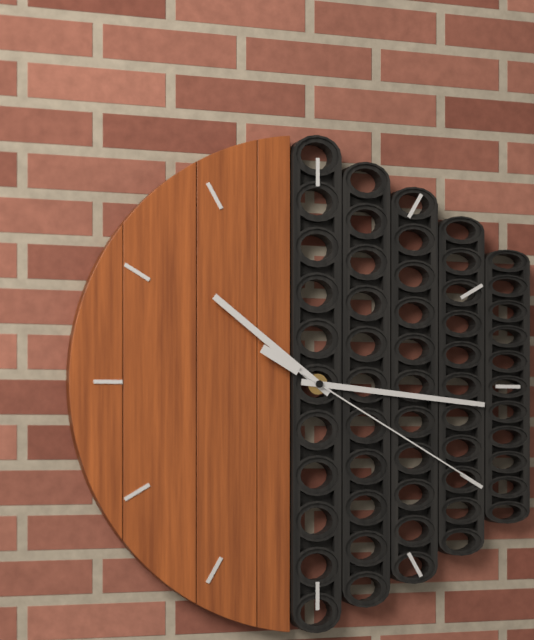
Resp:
**10:16:20**
